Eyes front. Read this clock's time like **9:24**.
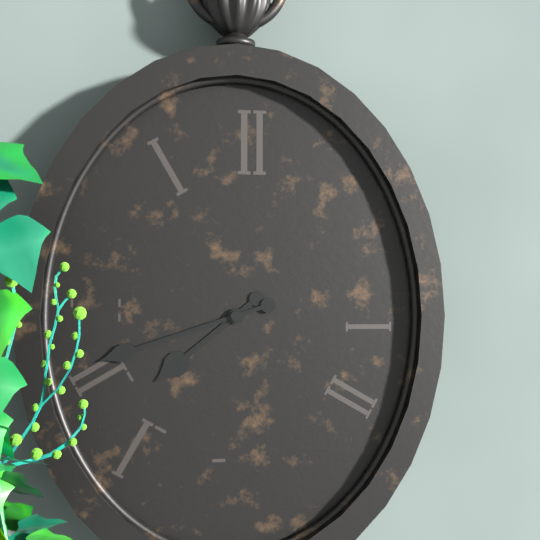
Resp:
**7:42**
